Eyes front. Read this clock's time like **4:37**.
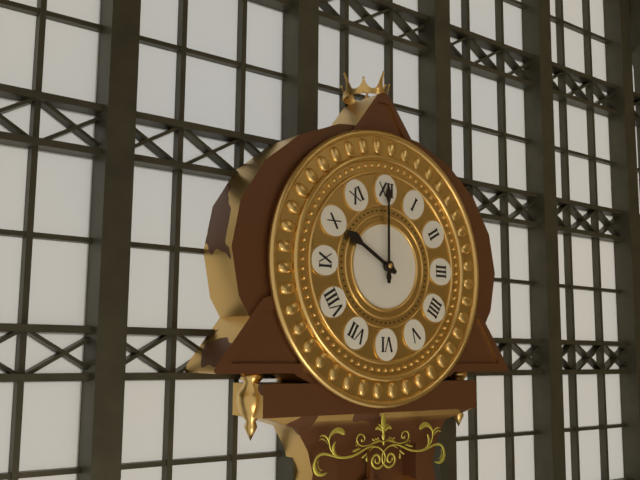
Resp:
**10:00**
